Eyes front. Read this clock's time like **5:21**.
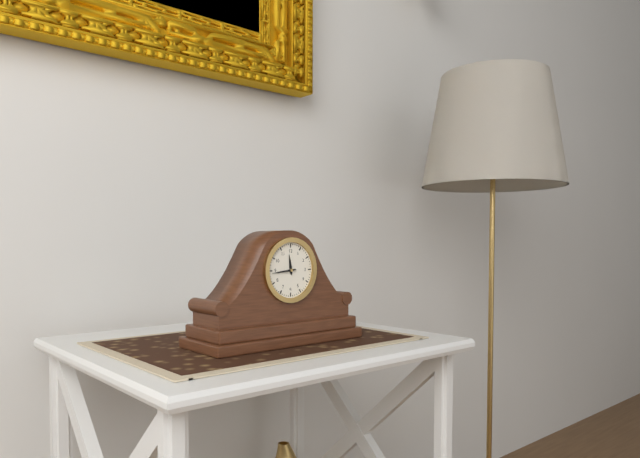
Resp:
**11:44**
